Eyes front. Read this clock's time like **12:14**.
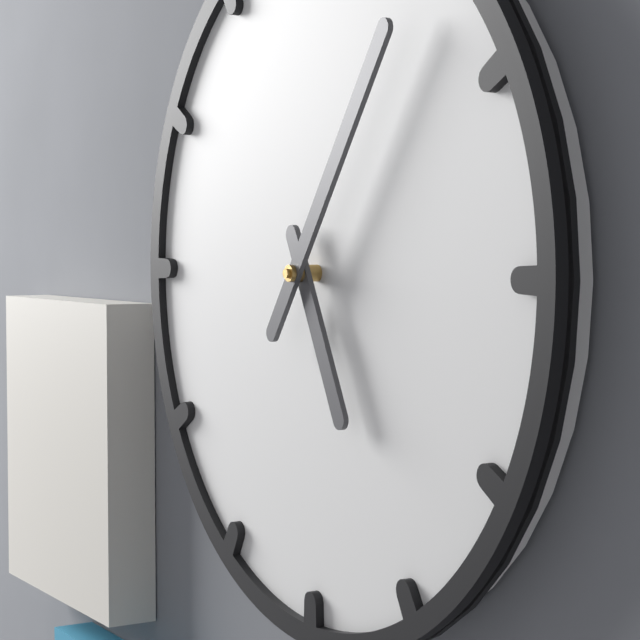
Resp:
**5:06**
